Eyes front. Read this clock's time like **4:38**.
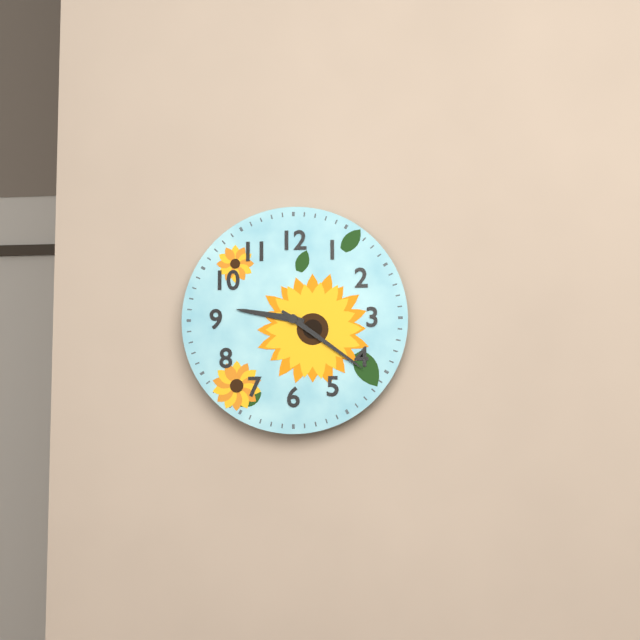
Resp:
**9:21**
